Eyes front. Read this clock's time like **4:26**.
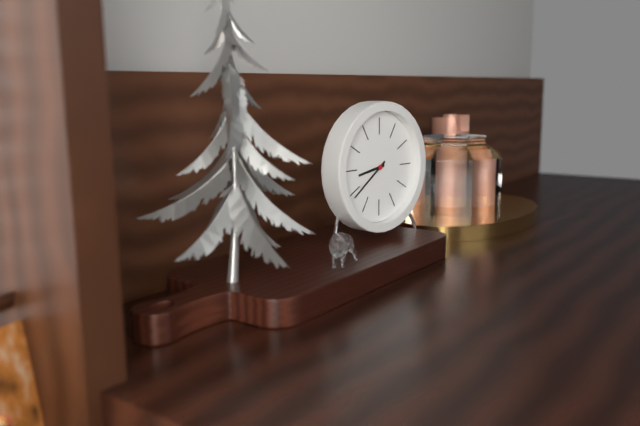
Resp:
**8:39**
